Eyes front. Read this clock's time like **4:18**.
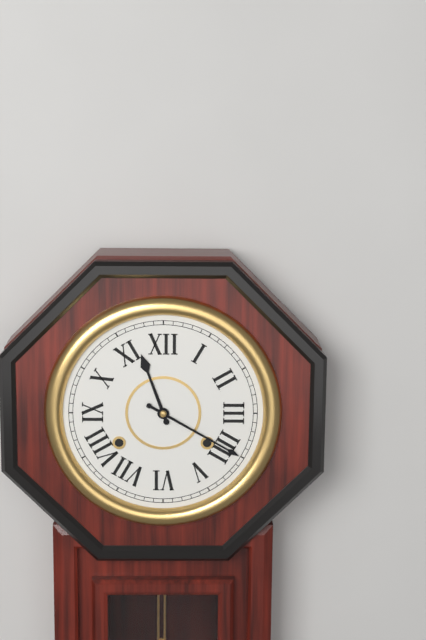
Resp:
**11:20**
